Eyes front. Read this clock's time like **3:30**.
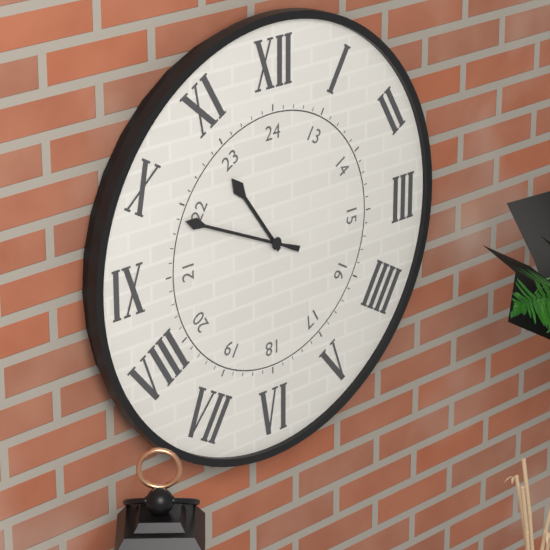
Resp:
**10:49**
